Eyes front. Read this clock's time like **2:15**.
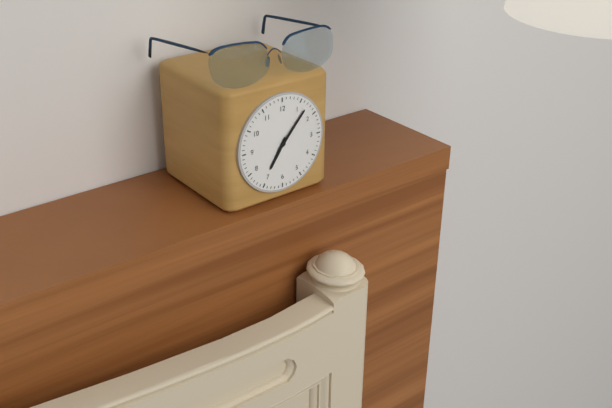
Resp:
**7:07**
